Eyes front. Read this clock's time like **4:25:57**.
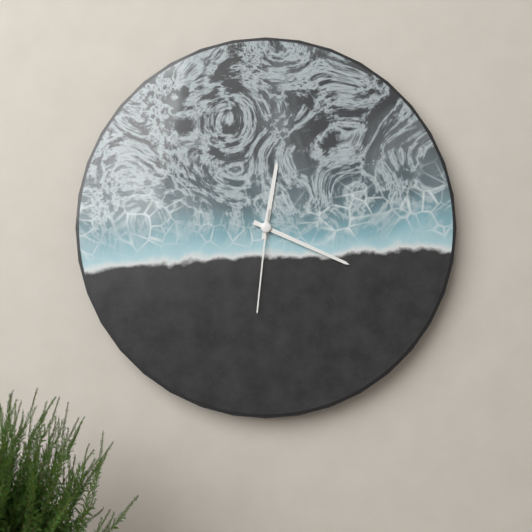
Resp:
**12:19:31**
